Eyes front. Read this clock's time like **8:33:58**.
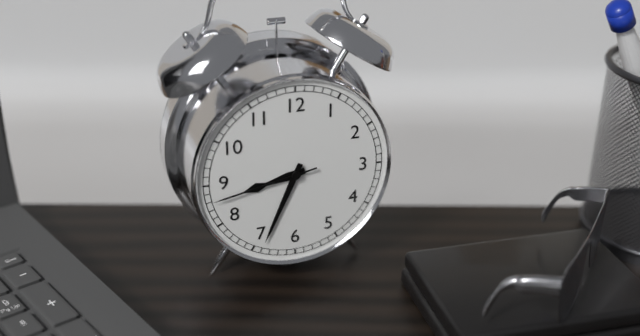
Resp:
**8:34:43**
